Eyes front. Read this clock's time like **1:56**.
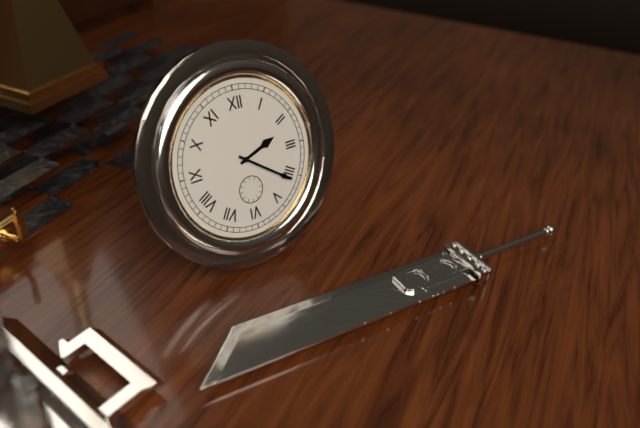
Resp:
**2:21**
